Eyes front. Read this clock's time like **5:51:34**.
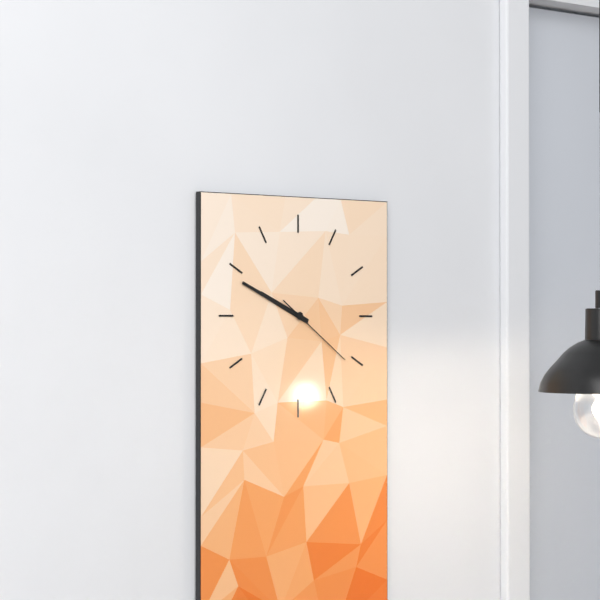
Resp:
**9:49:21**
